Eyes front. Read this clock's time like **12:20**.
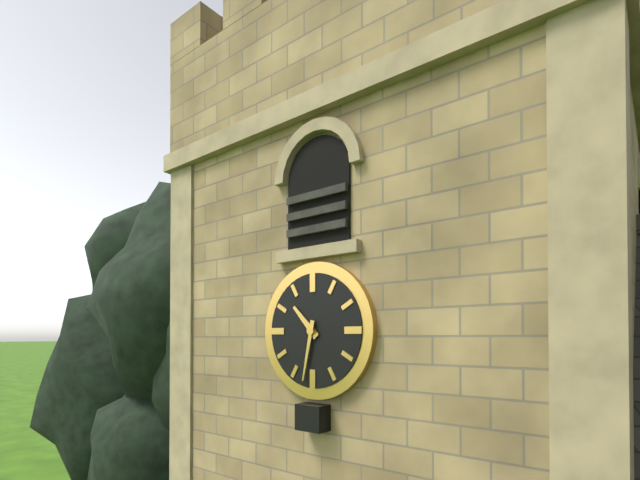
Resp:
**10:32**
